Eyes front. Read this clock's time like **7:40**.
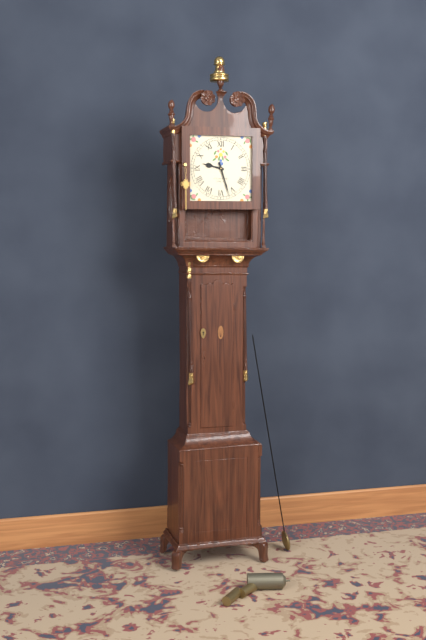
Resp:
**9:27**
